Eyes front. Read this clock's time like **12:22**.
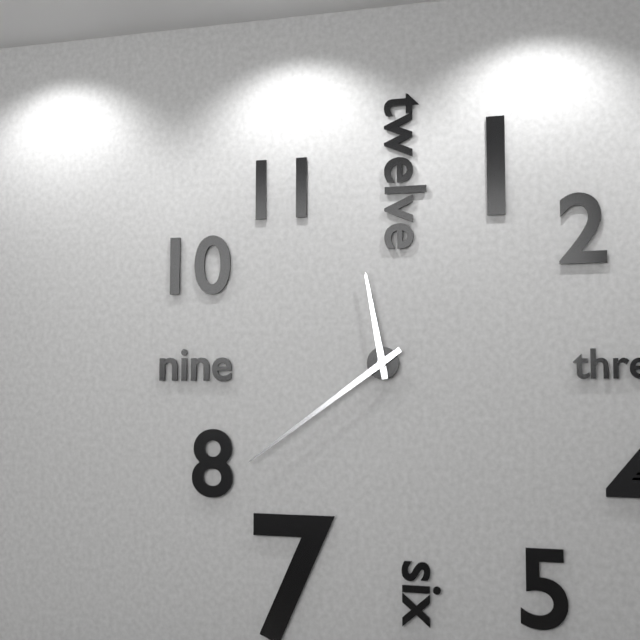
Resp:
**11:39**
